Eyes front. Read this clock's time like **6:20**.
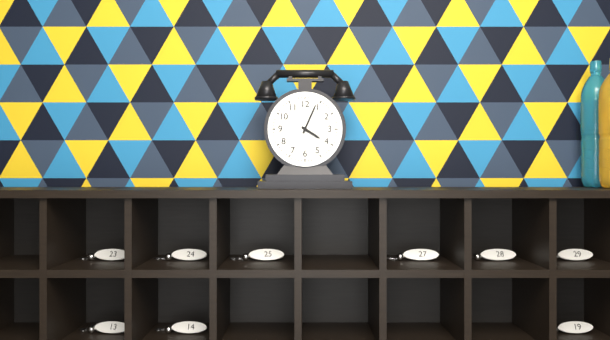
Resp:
**4:04**
